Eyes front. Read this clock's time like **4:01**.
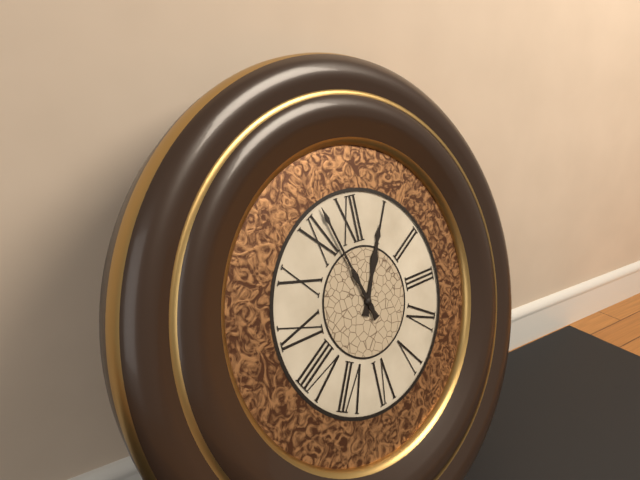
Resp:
**12:57**
